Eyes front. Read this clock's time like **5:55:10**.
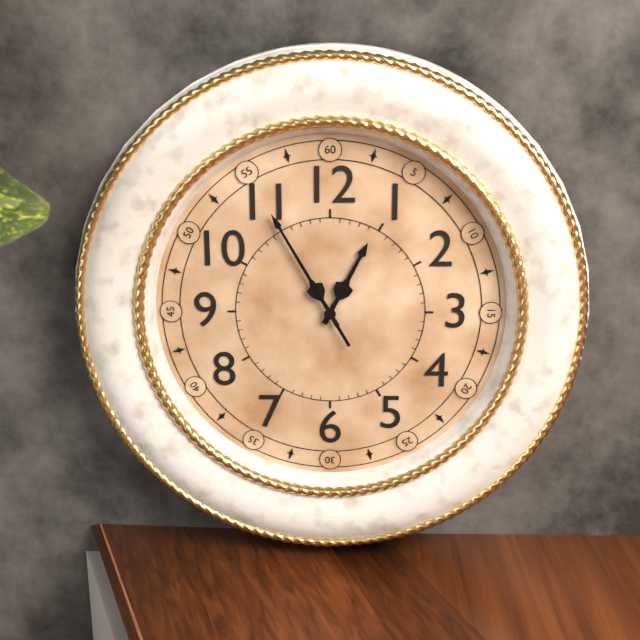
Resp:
**12:55:55**
